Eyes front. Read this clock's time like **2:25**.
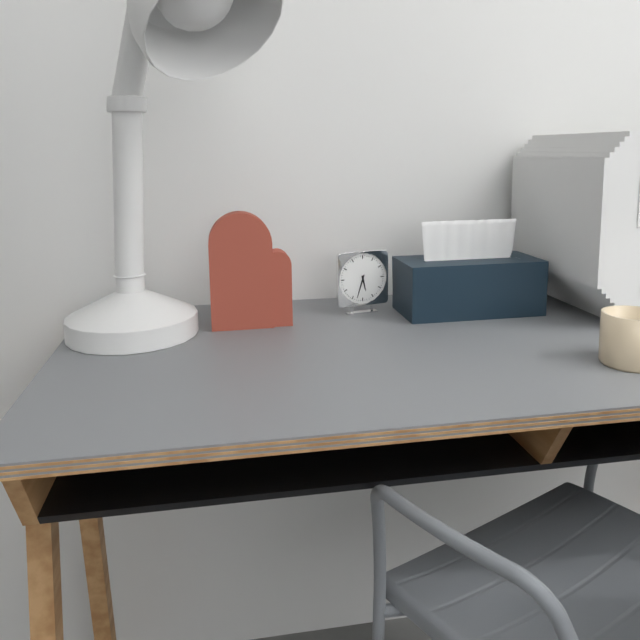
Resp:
**5:33**
